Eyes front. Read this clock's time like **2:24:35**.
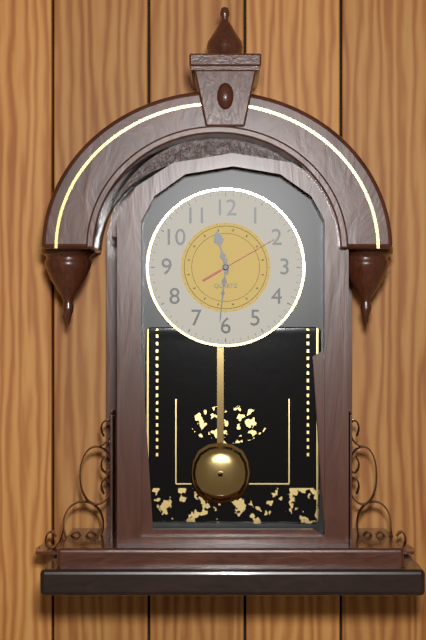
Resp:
**11:31:10**
